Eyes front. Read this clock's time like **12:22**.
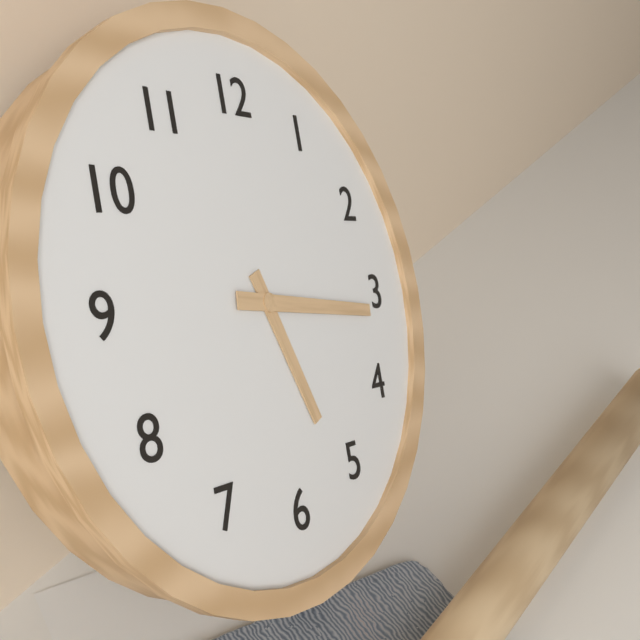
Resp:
**5:16**
